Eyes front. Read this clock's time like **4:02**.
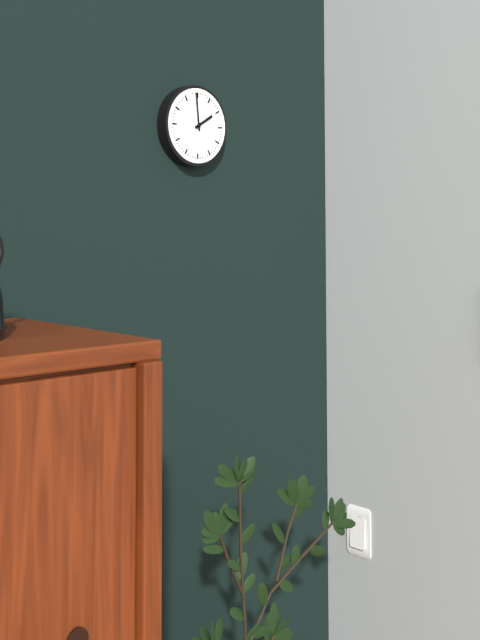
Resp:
**1:59**
